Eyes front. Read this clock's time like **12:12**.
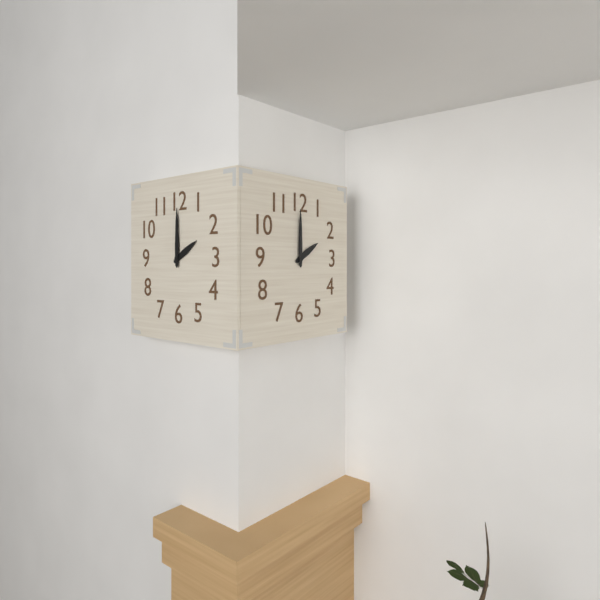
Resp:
**2:00**
